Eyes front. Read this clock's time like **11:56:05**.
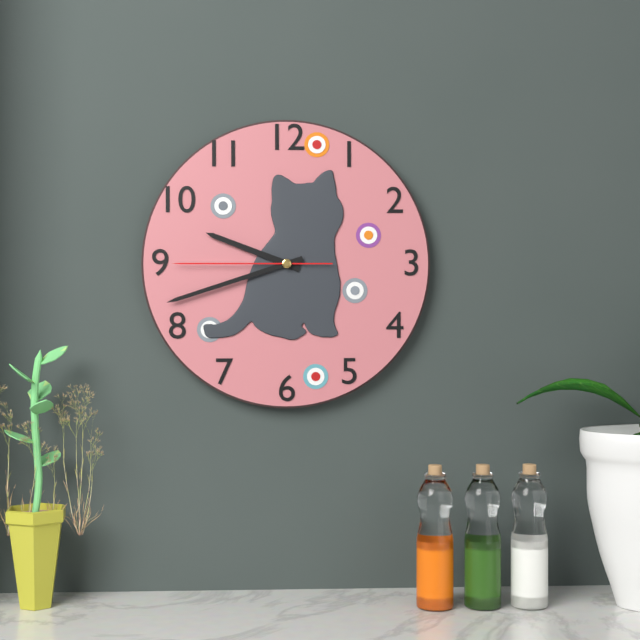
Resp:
**9:42:45**
